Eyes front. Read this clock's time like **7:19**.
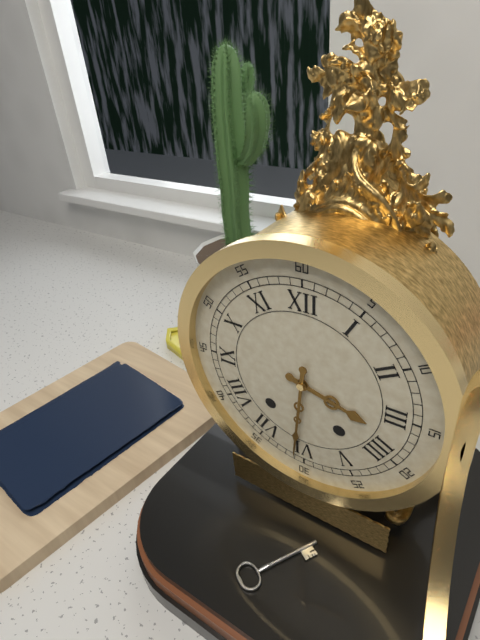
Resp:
**3:31**
